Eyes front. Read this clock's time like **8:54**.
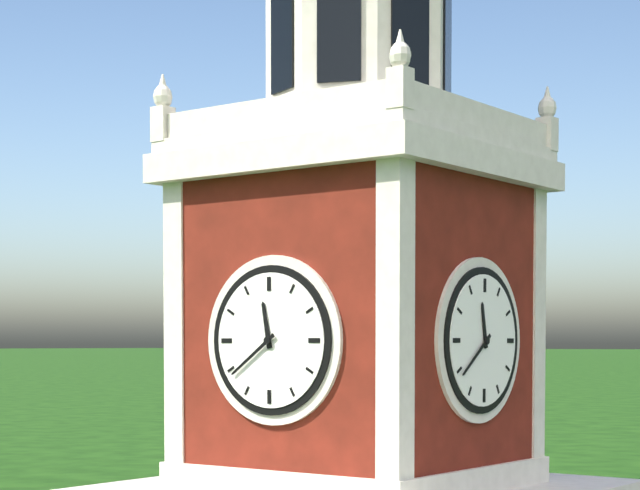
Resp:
**11:39**
